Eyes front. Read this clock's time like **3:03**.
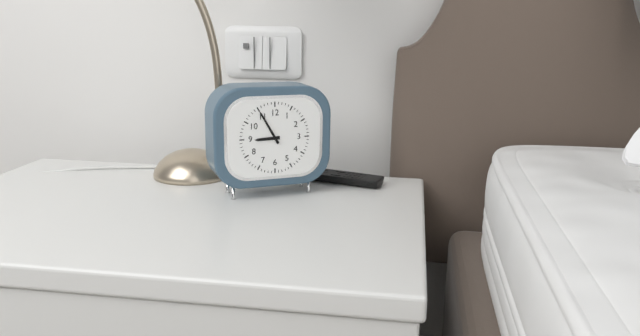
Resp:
**8:55**
